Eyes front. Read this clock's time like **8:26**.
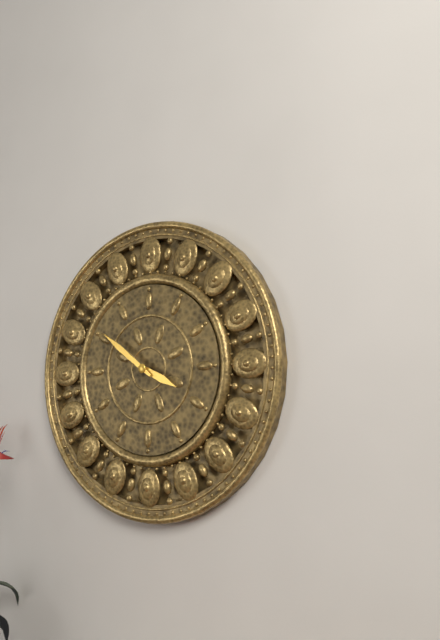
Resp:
**3:51**
